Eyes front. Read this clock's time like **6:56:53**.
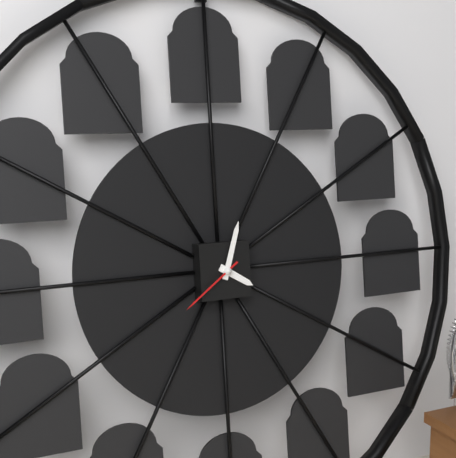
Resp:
**4:03:39**
